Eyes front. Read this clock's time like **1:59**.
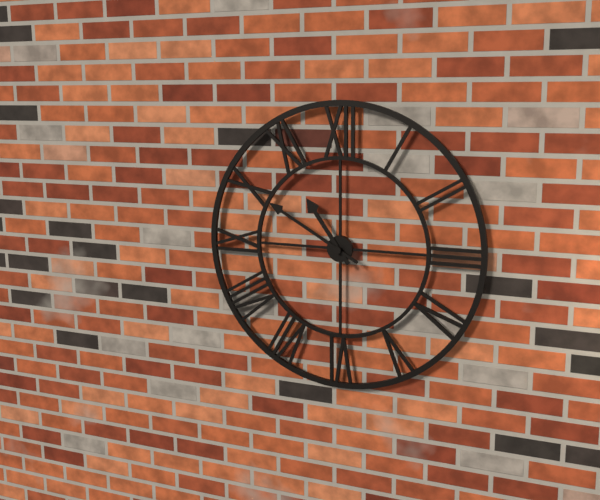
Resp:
**10:50**
